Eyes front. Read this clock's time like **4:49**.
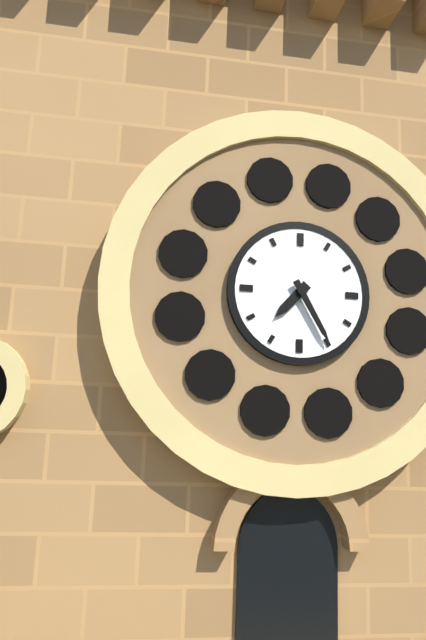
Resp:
**7:25**
